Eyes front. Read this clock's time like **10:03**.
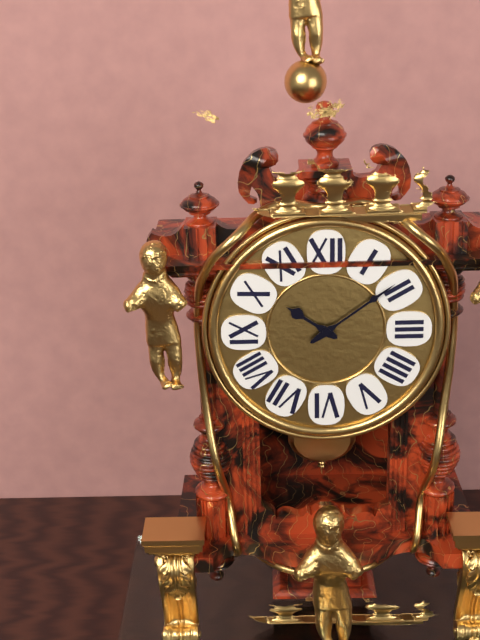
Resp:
**10:09**
